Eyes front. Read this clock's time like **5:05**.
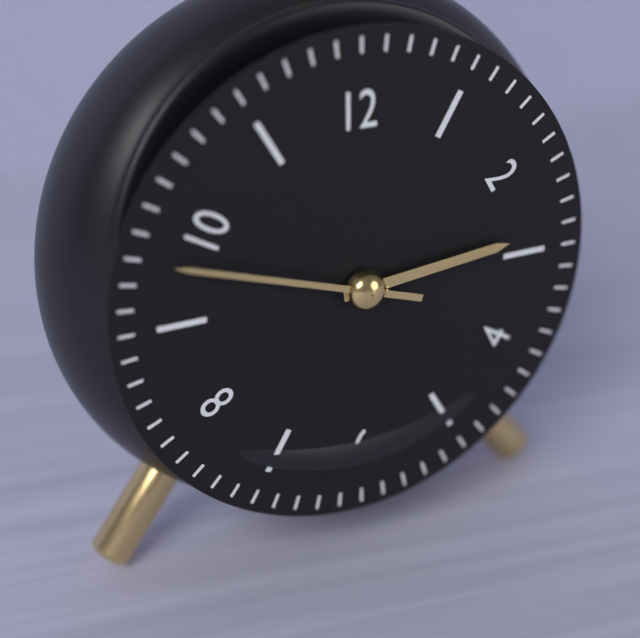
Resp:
**2:48**
